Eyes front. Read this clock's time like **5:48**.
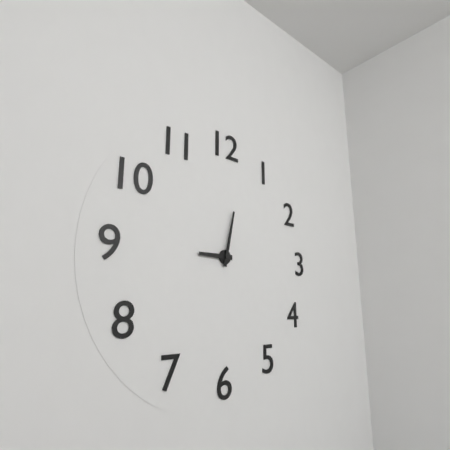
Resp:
**9:02**
